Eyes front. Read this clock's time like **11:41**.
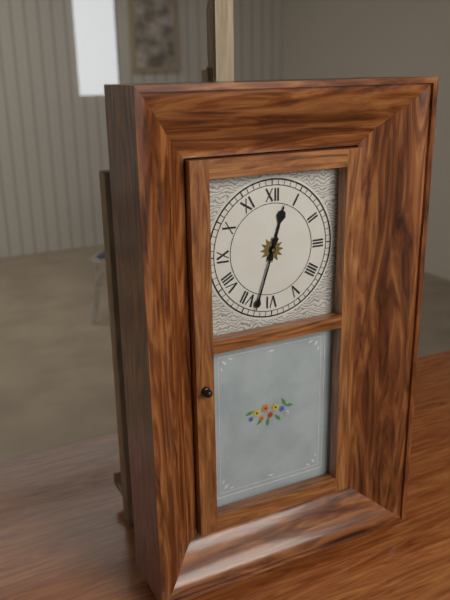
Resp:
**12:33**
